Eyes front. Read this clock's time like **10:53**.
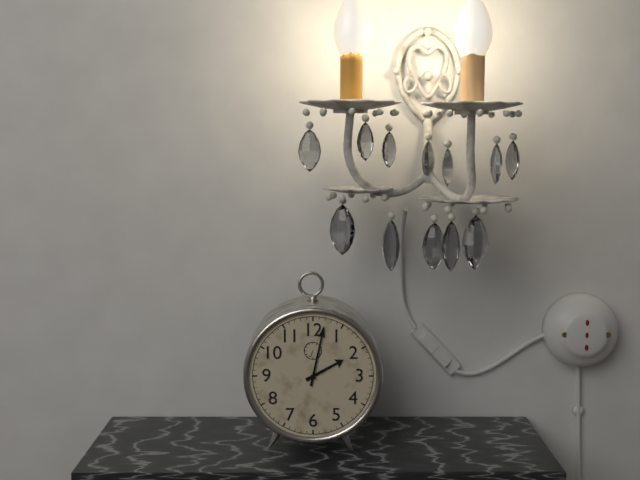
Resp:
**2:02**
